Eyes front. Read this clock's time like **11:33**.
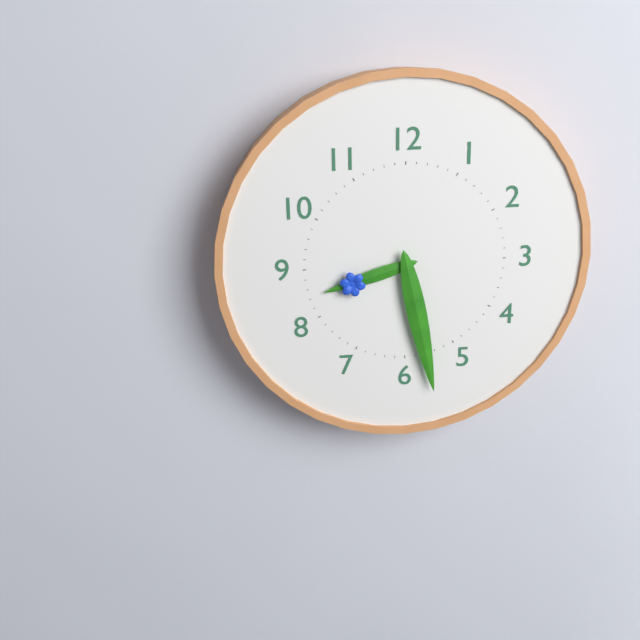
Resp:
**8:28**
